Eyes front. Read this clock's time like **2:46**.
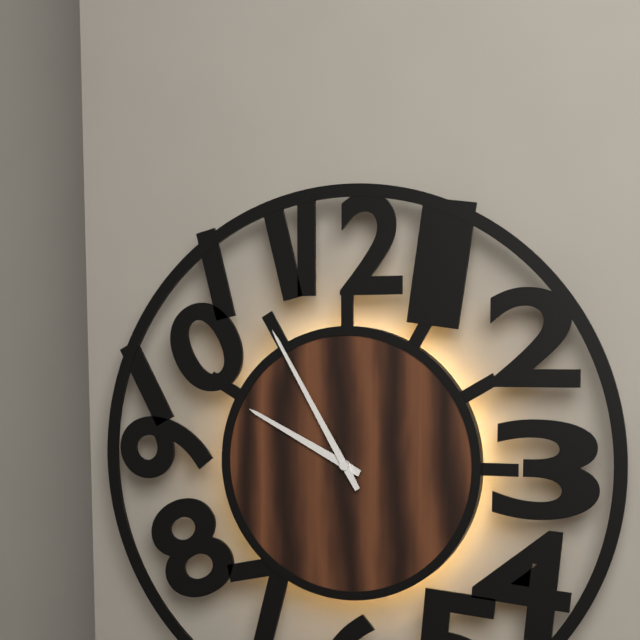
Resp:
**9:55**
